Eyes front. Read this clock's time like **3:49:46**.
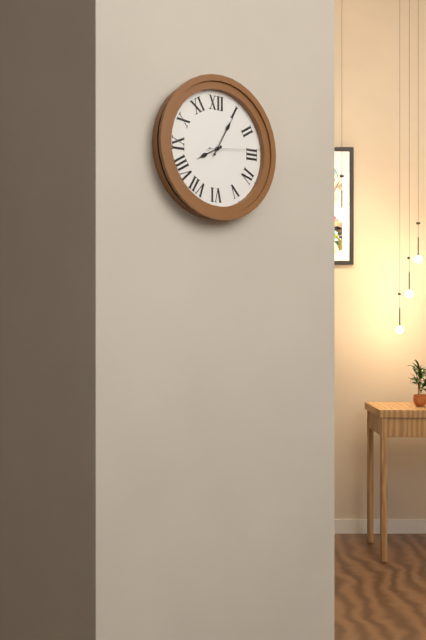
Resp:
**8:05:14**
